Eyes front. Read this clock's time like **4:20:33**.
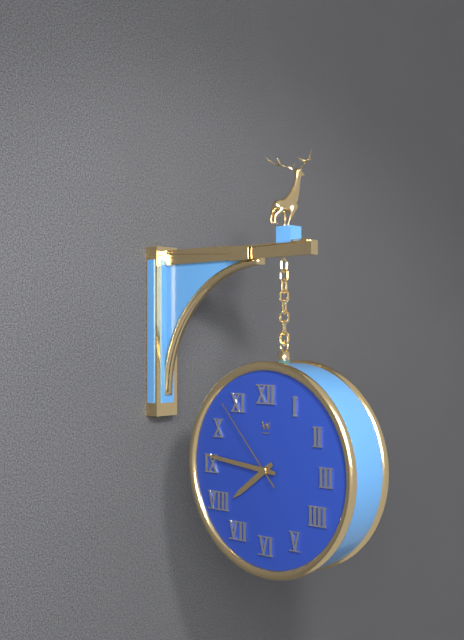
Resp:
**7:46:53**
